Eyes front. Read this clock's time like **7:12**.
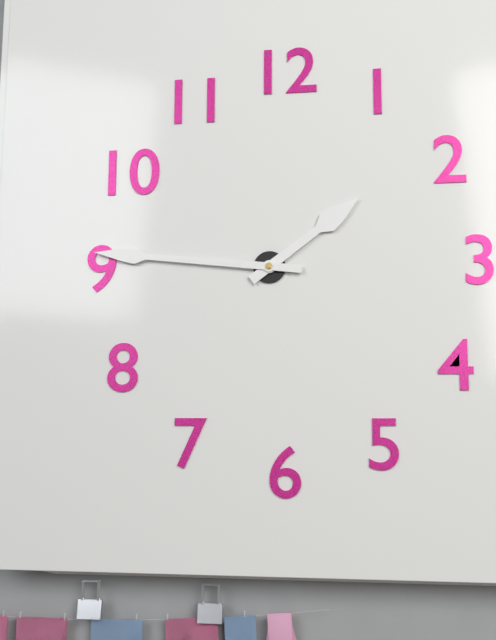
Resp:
**1:46**
